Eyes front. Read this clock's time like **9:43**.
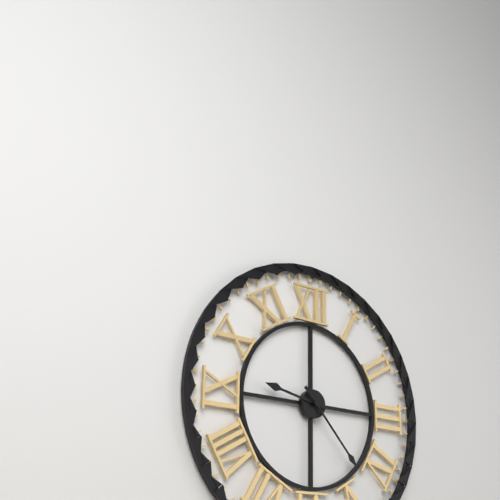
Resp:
**9:23**
